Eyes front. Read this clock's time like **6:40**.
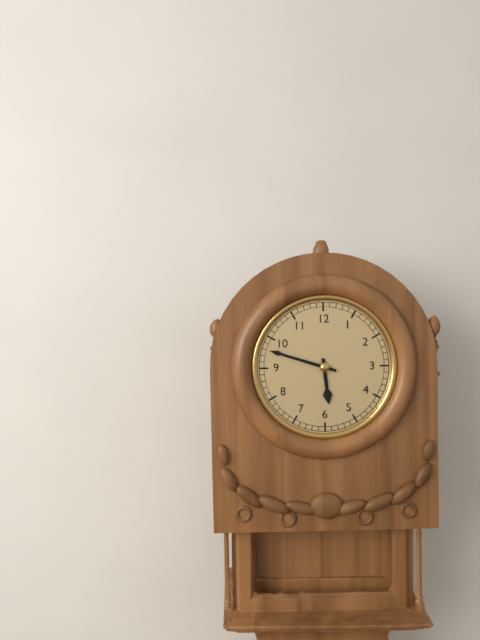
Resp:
**5:48**
